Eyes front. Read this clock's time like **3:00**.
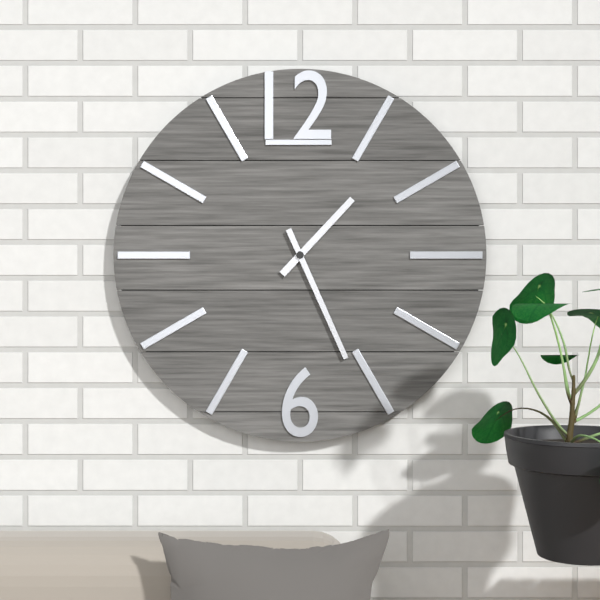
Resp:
**1:26**
